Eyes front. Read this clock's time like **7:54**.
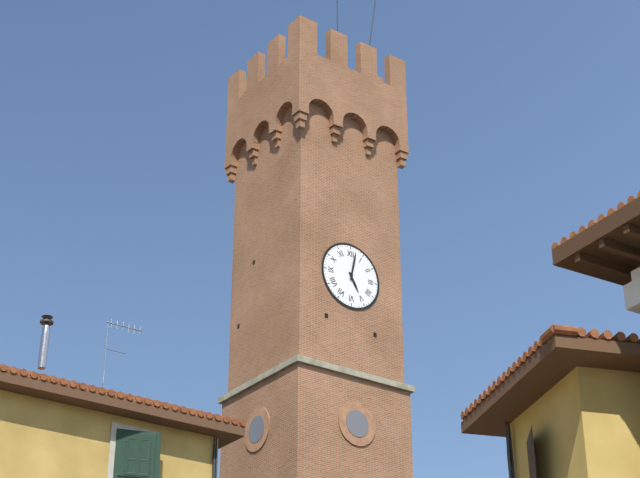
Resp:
**5:02**
